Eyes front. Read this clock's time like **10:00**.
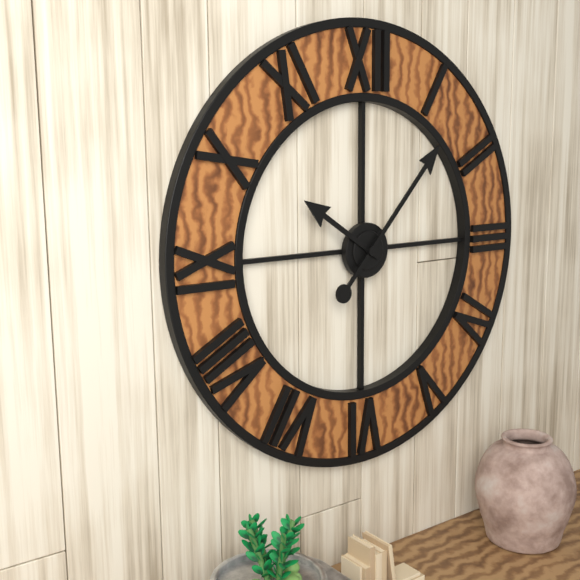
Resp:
**10:07**
